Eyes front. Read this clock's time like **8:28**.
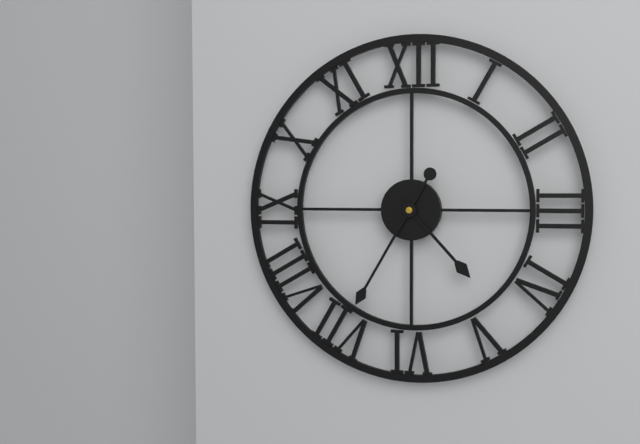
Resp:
**4:35**
